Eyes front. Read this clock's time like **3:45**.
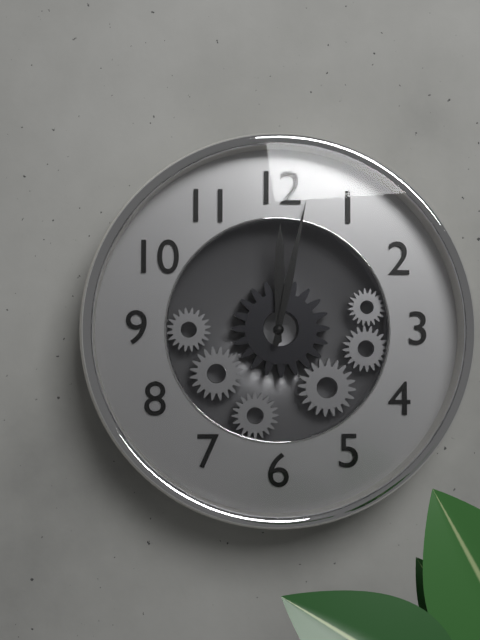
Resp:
**12:02**
